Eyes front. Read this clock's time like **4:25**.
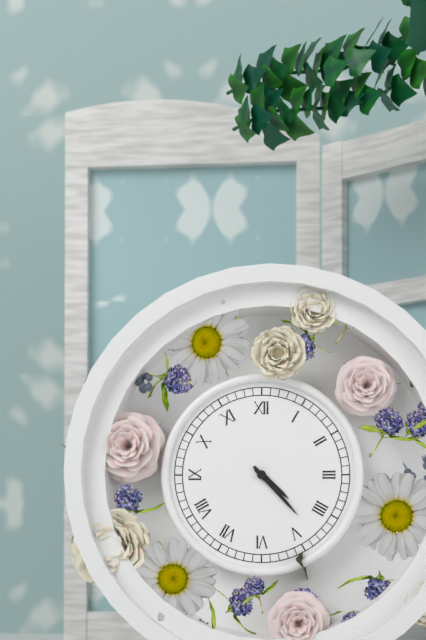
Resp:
**4:23**
